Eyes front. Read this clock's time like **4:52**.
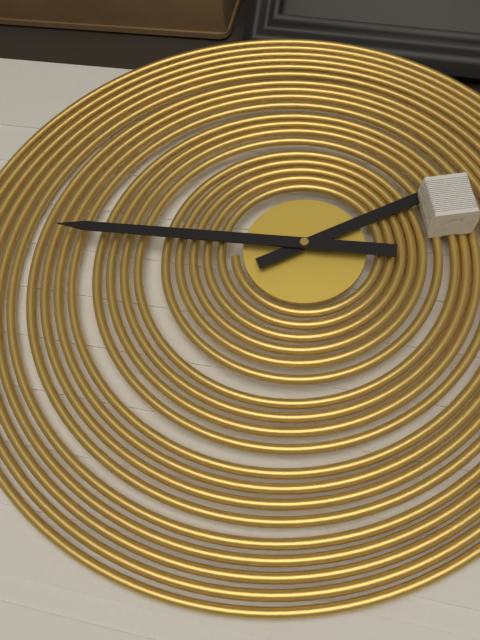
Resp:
**1:44**
